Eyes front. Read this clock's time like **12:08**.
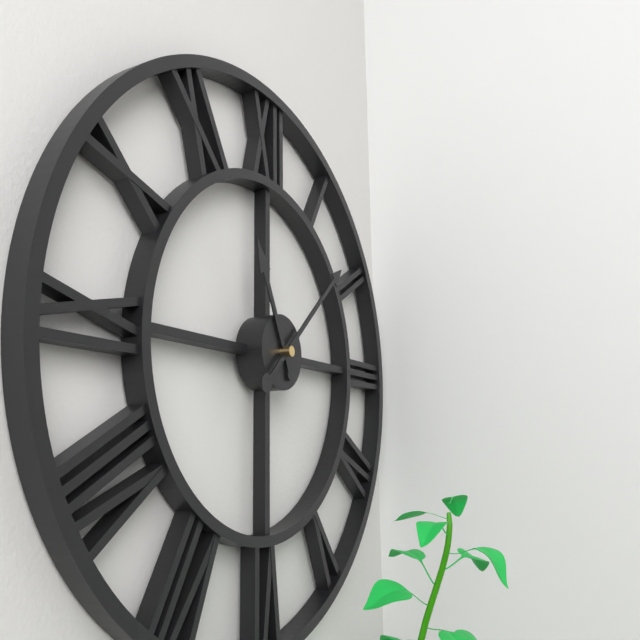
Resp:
**11:08**
